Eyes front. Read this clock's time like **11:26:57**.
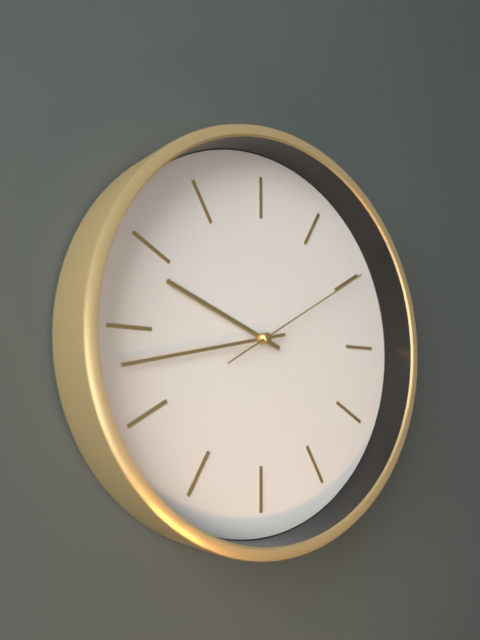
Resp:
**9:43:10**
